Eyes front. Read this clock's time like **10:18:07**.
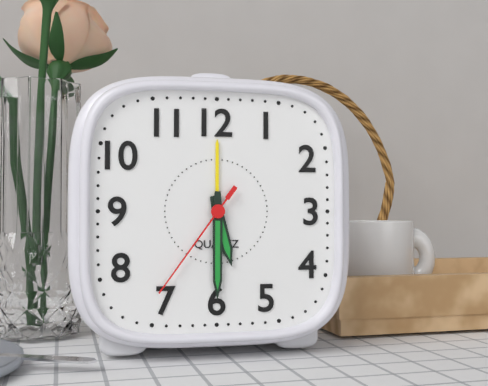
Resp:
**5:30:36**
